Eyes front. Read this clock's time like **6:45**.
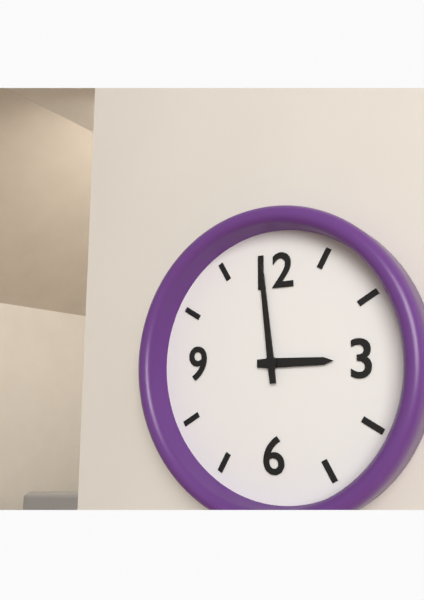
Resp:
**2:59**
